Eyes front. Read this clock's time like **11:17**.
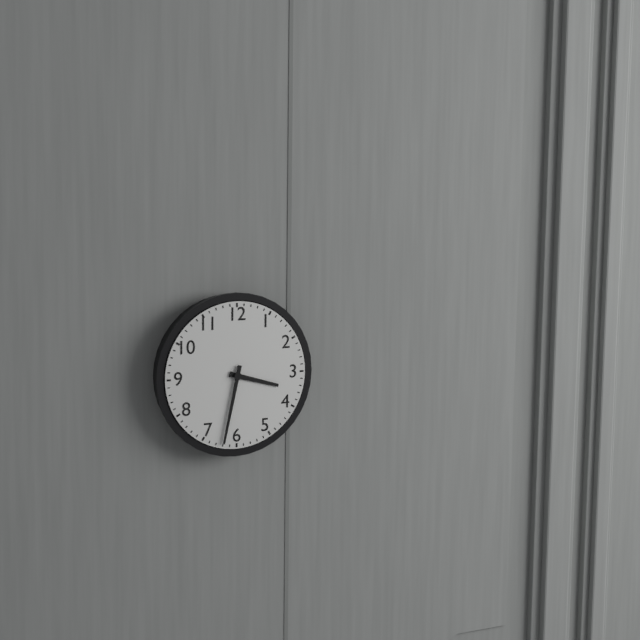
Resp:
**3:32**
